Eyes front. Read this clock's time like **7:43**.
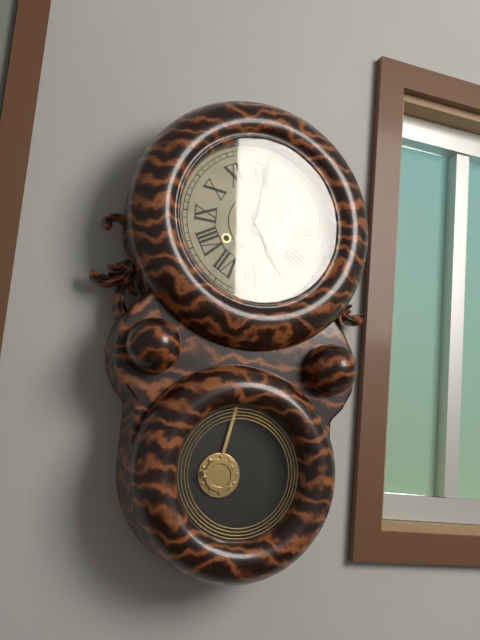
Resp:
**5:01**
